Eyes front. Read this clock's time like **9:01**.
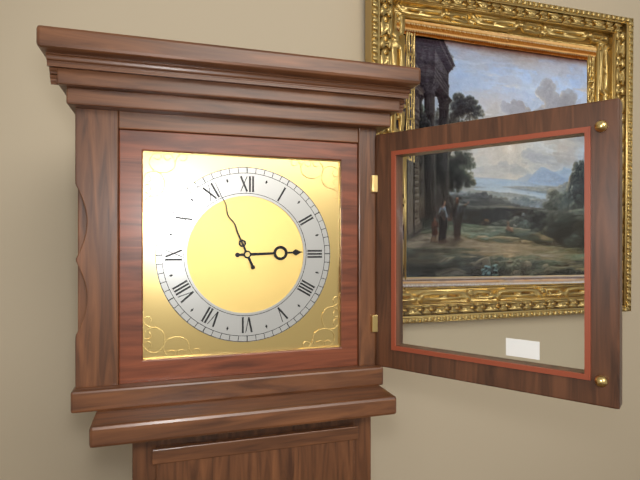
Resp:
**2:56**
